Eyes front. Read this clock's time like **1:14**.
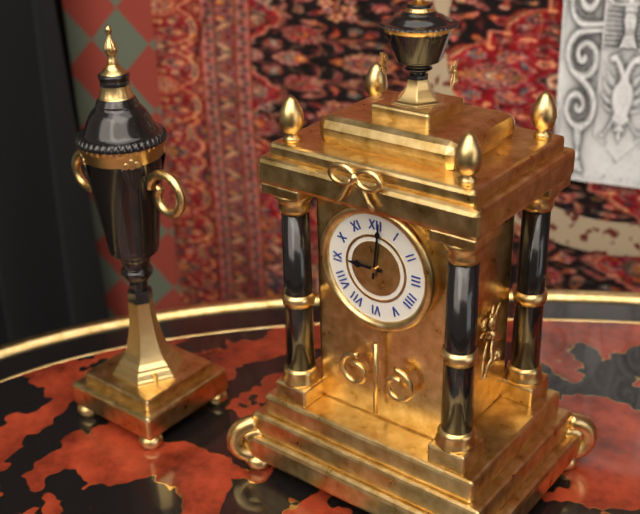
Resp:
**9:01**
